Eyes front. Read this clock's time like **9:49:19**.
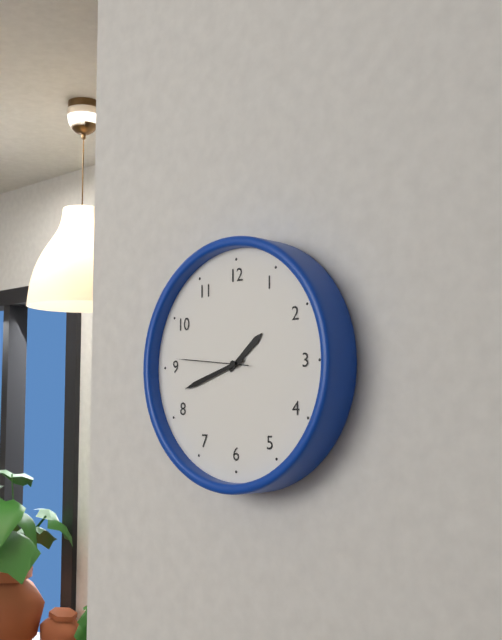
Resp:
**1:42:46**
